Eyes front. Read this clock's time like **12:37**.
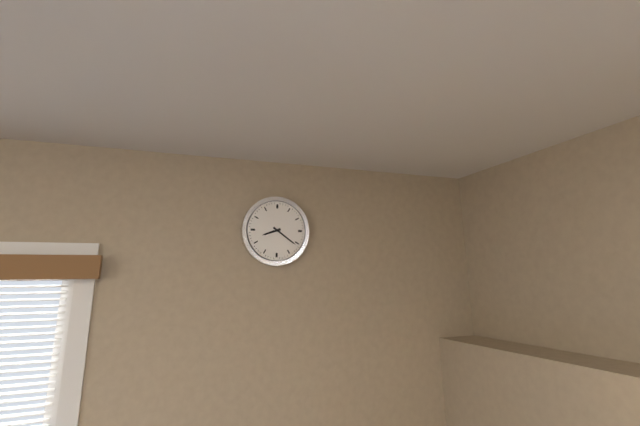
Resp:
**8:21**
